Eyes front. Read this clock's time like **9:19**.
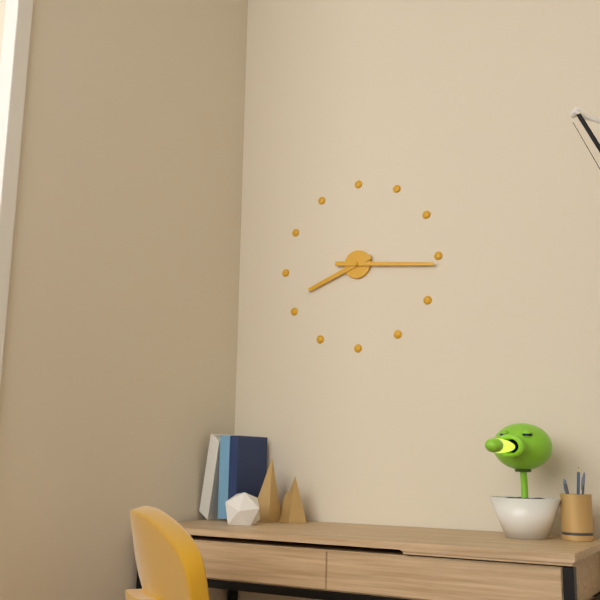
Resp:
**8:16**
